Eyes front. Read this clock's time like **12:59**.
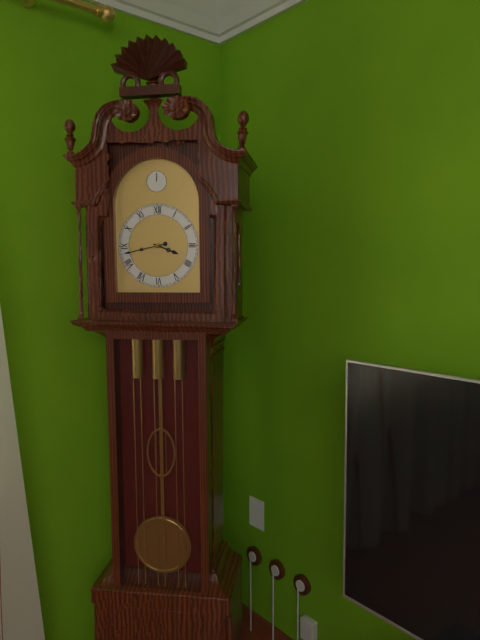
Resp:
**3:43**
